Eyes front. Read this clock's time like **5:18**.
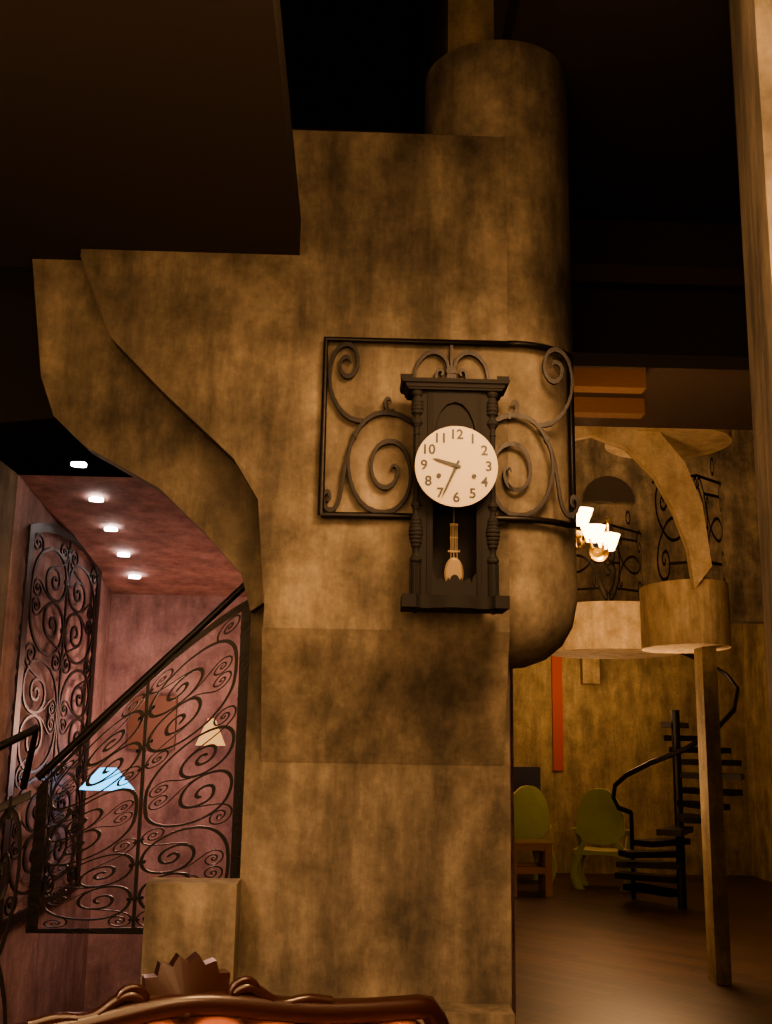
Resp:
**9:34**
